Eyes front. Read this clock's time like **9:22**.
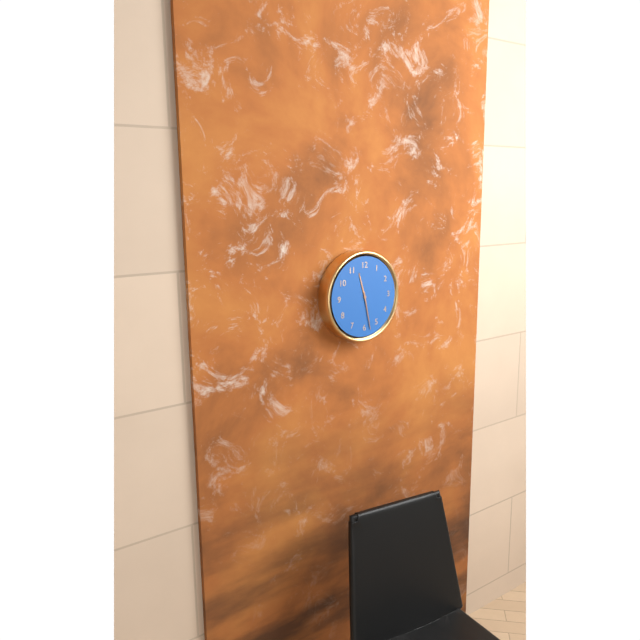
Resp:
**11:28**
